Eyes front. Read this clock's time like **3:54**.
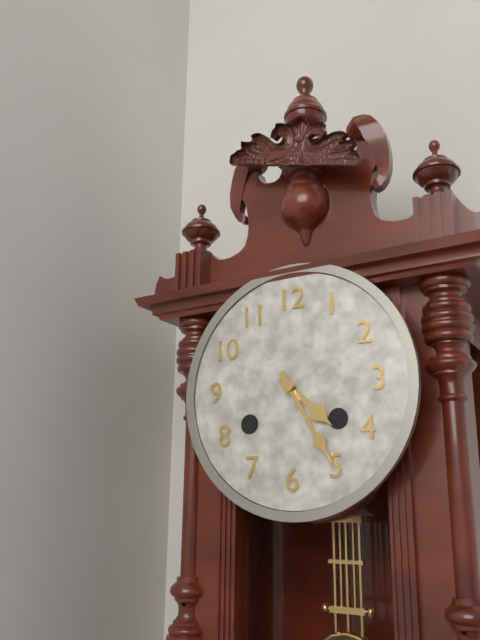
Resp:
**4:25**
